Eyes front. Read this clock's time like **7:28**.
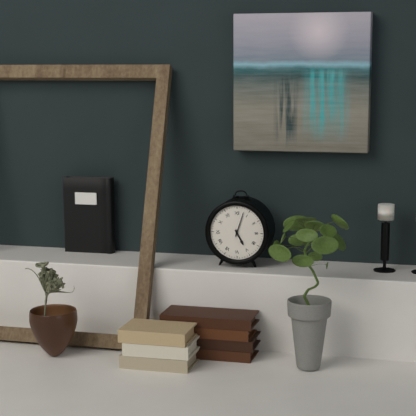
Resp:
**5:03**
